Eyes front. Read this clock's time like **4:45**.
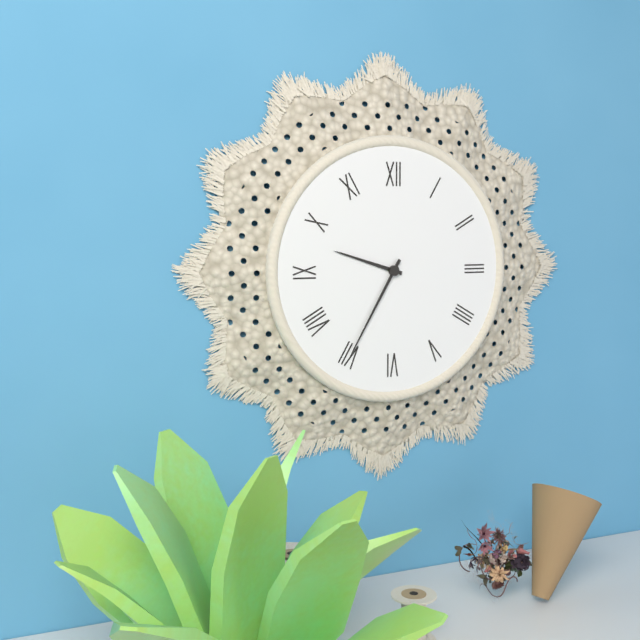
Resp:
**9:35**
